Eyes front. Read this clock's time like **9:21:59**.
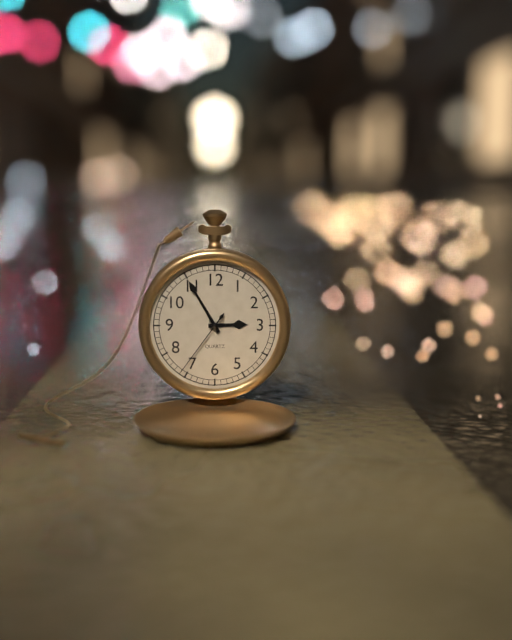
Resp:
**2:55:36**
